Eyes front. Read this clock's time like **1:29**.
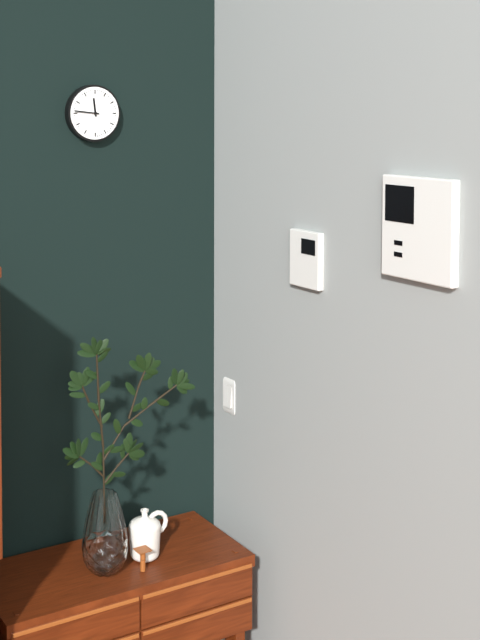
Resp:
**11:46**
